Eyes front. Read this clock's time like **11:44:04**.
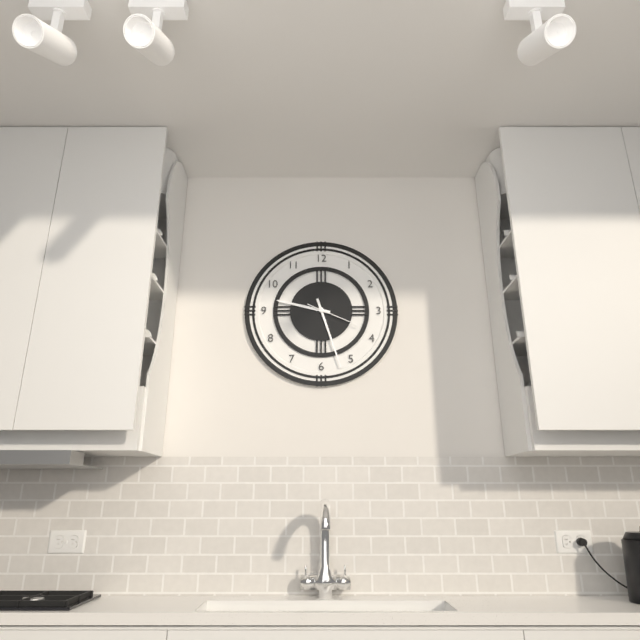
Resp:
**9:27:19**
